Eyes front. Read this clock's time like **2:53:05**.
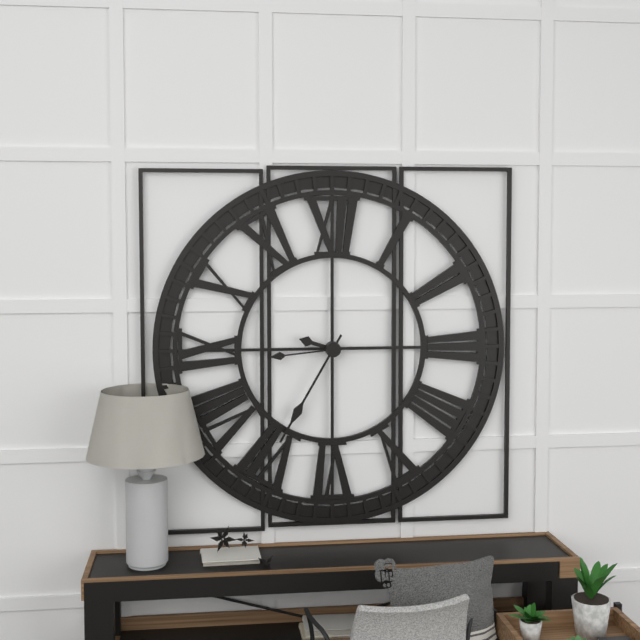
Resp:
**9:35:44**
